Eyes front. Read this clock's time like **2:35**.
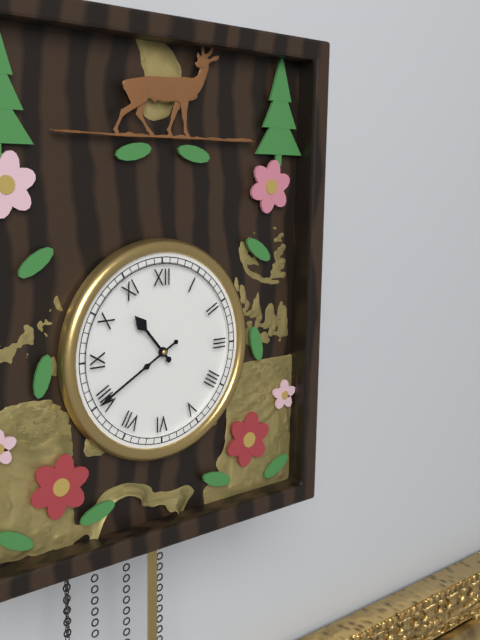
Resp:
**10:40**
